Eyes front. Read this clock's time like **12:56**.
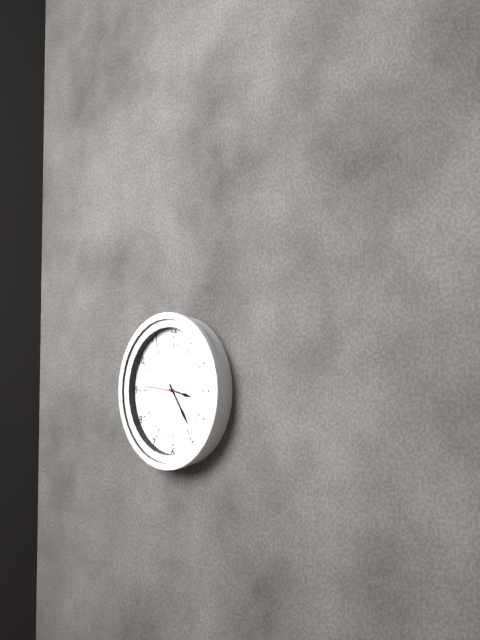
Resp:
**3:24**
